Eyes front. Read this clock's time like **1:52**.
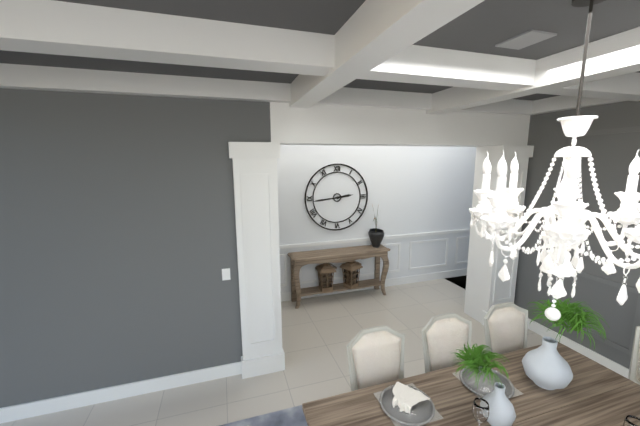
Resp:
**2:44**
